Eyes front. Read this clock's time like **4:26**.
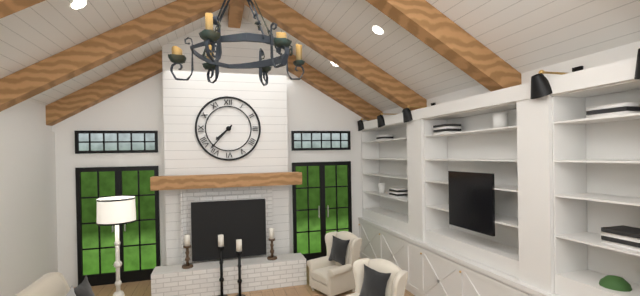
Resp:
**7:37**
